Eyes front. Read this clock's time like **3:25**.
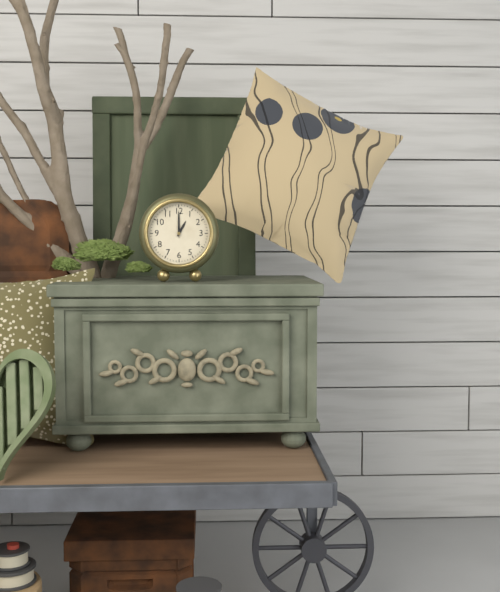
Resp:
**1:00**
